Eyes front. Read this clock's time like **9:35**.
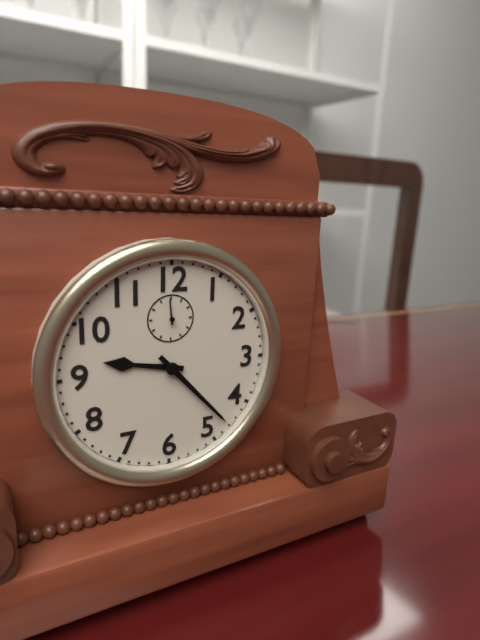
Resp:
**9:23**
